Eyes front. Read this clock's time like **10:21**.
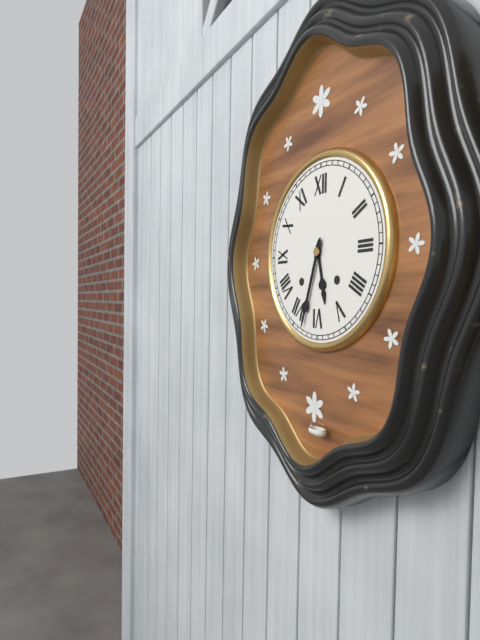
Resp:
**5:33**
